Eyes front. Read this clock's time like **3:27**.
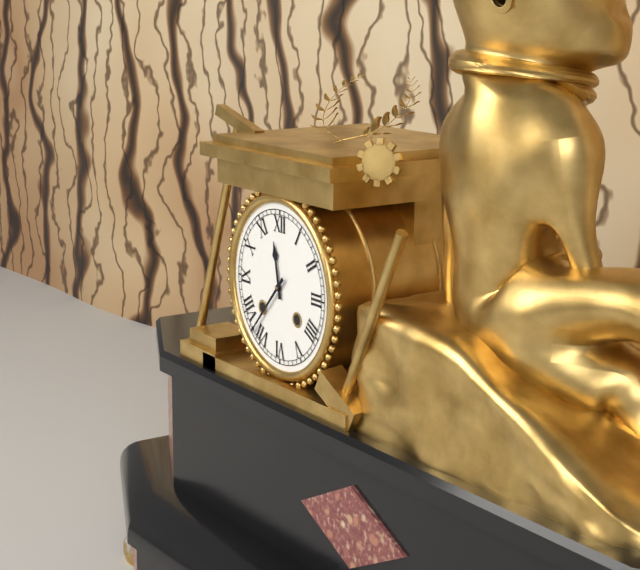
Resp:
**11:37**
